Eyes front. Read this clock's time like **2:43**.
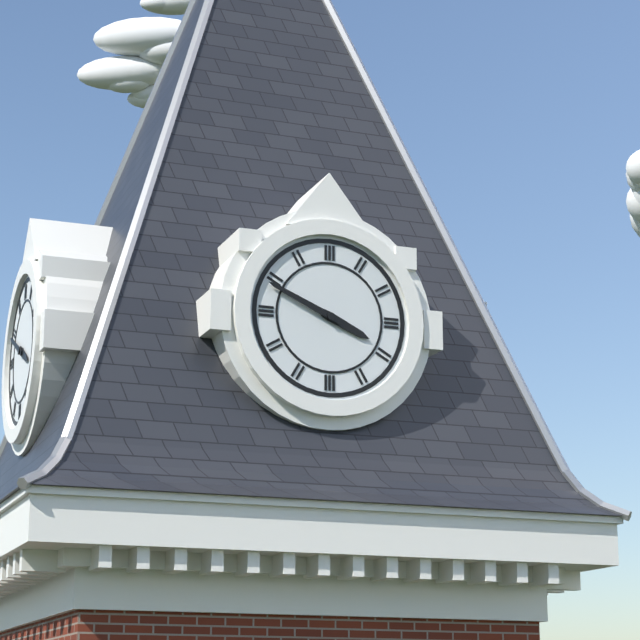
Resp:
**3:49**
